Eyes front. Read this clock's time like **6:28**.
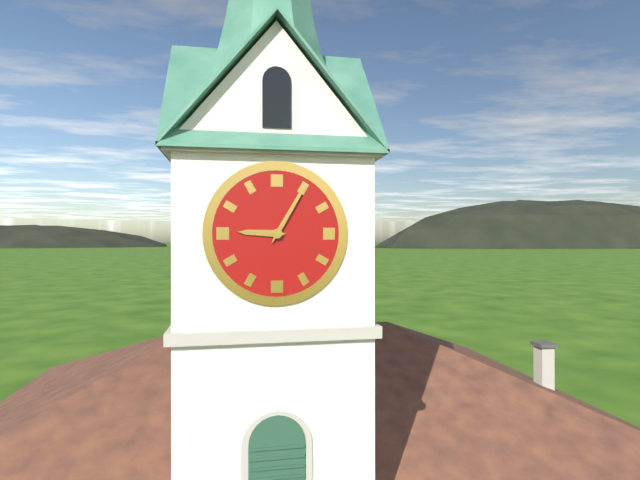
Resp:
**9:05**
